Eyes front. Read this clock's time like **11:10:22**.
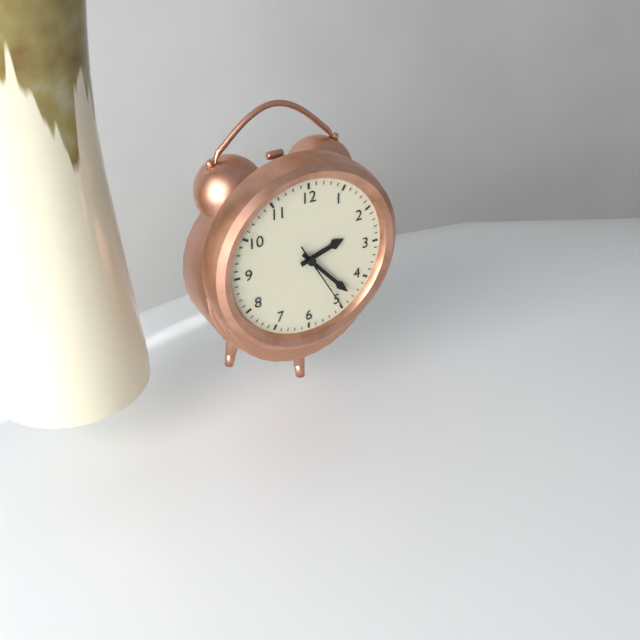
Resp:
**2:23:25**
